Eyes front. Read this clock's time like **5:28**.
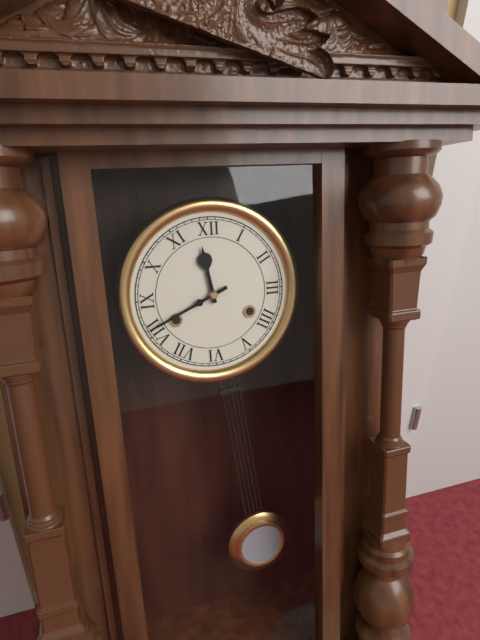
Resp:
**11:41**
